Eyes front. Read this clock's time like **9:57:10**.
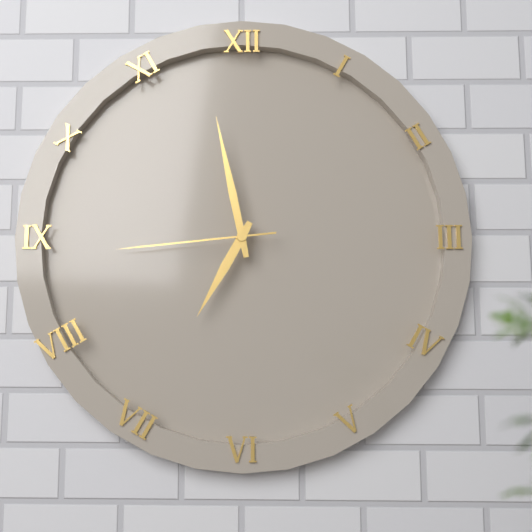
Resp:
**6:58:44**
